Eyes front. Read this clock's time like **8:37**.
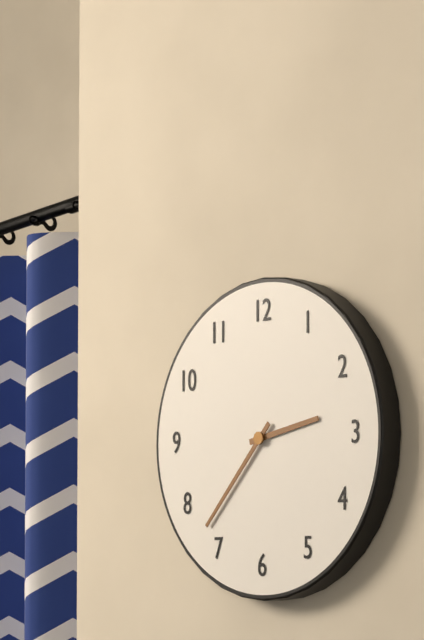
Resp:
**2:37**
